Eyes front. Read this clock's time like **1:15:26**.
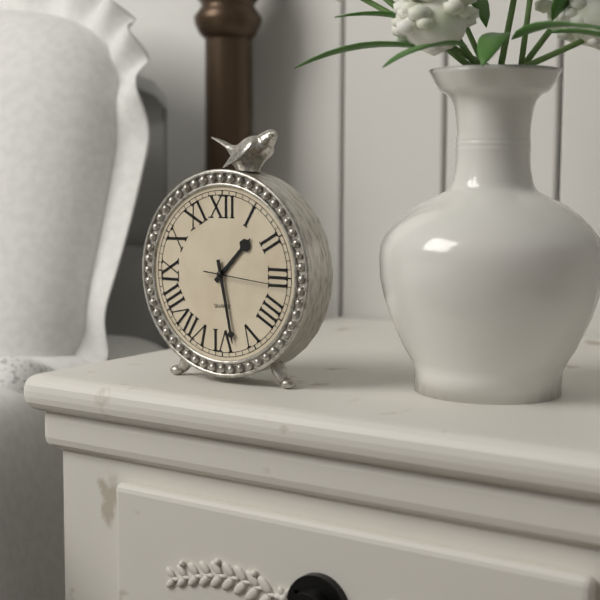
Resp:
**1:28:16**
